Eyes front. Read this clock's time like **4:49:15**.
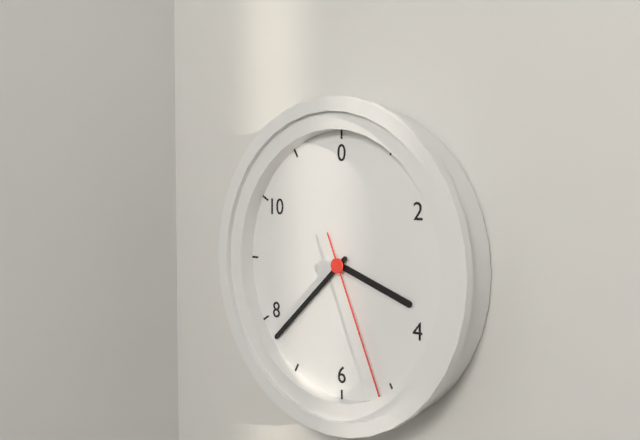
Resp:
**3:38:26**
